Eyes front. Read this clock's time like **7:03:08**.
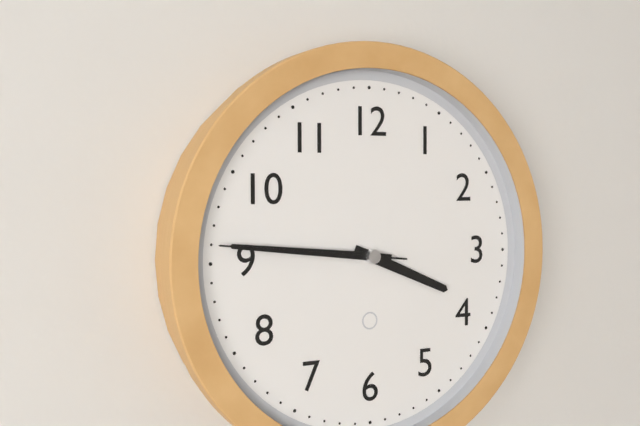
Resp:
**3:46:46**
